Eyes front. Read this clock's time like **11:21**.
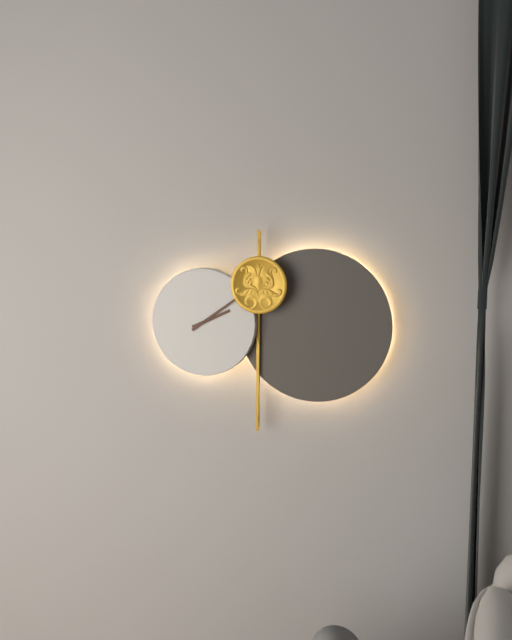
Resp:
**2:09**
